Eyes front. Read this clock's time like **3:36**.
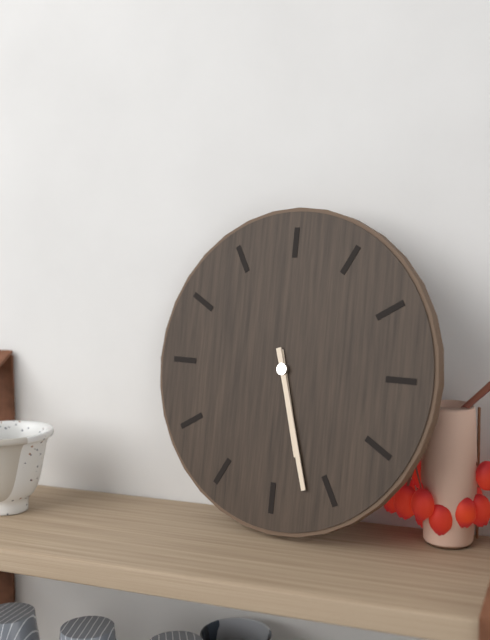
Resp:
**5:27**
